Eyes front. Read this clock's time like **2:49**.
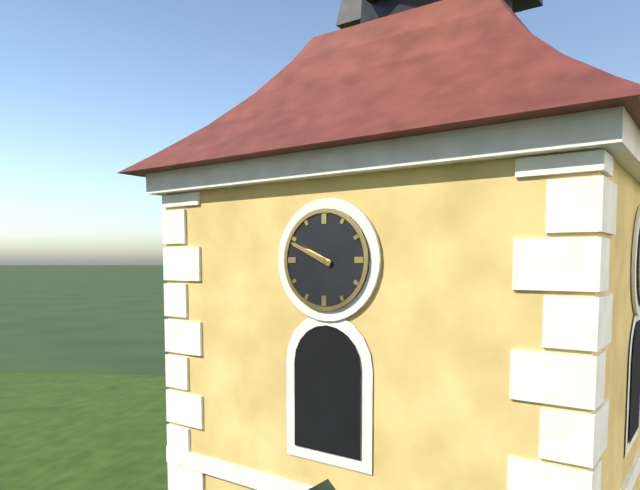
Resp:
**9:49**
